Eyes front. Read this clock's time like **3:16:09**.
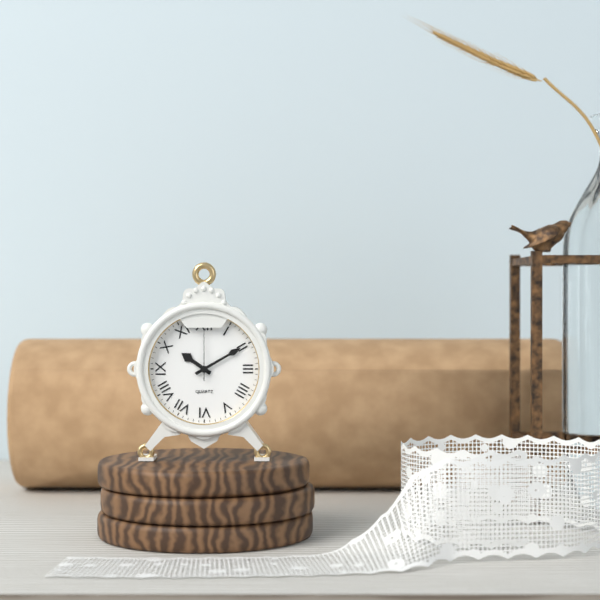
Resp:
**10:10:00**
